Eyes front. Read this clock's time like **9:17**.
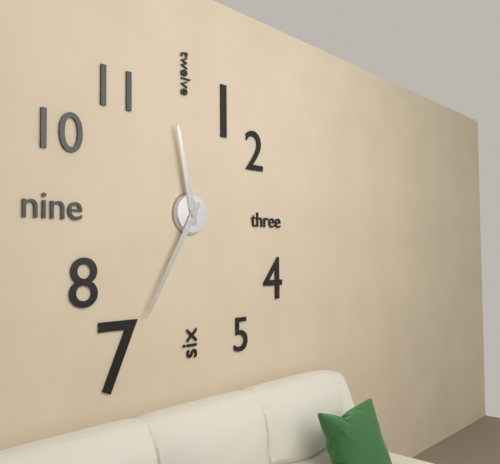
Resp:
**11:35**
